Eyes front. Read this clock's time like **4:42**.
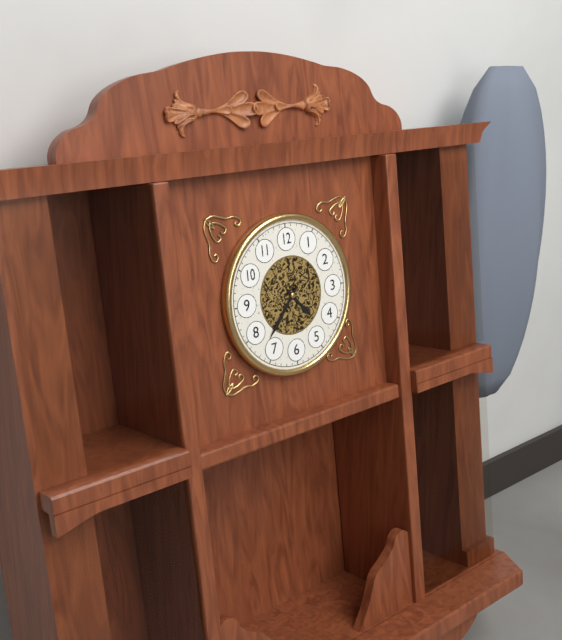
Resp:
**4:37**
